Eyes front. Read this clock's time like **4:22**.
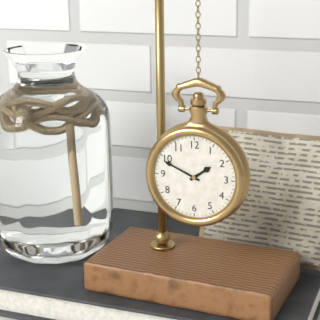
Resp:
**1:49**
